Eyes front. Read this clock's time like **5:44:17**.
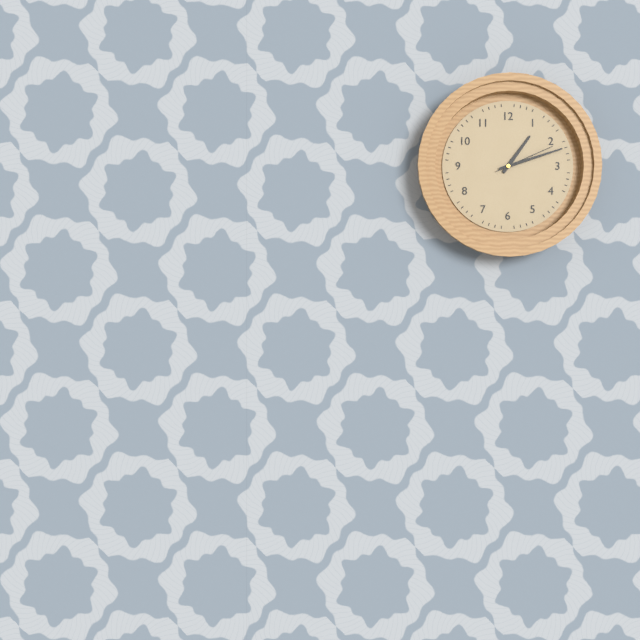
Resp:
**1:12:11**
